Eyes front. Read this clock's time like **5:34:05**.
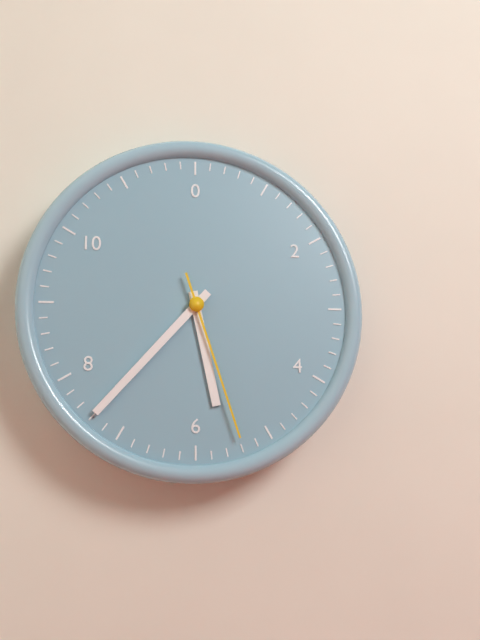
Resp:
**5:37:27**
